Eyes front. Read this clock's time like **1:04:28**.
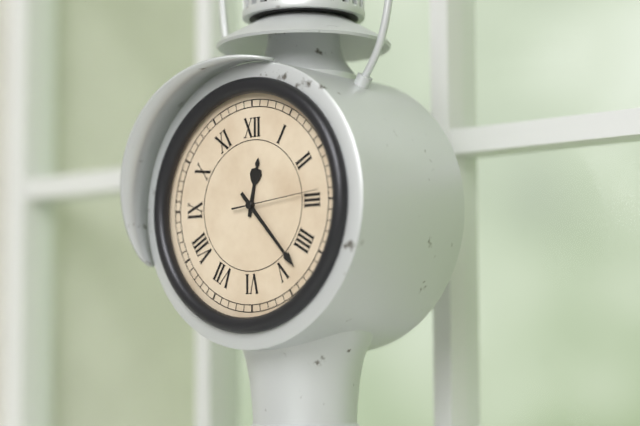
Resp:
**12:23:14**
